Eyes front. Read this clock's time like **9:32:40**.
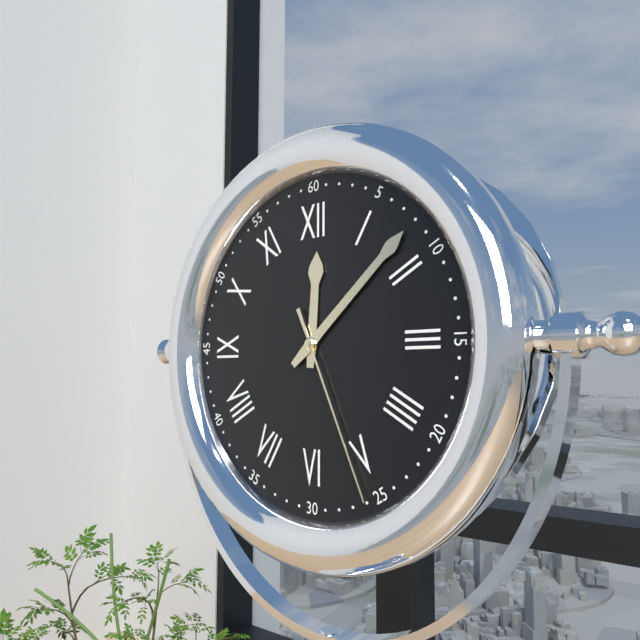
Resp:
**12:08:26**
